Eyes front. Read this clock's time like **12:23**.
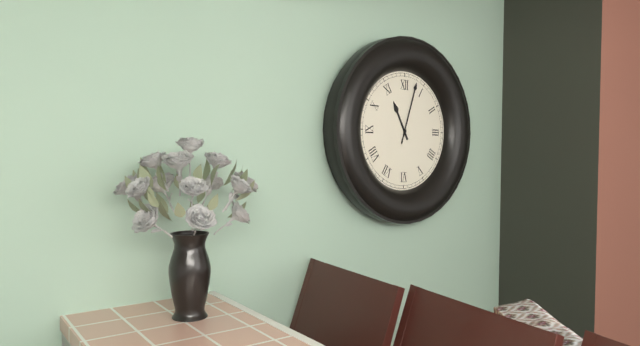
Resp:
**11:03**
